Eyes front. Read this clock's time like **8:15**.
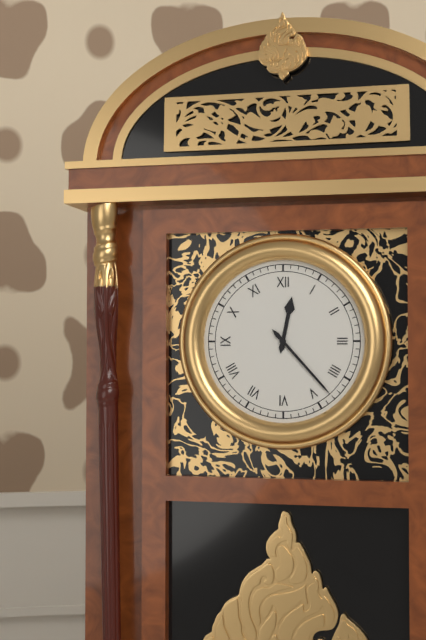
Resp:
**12:23**
